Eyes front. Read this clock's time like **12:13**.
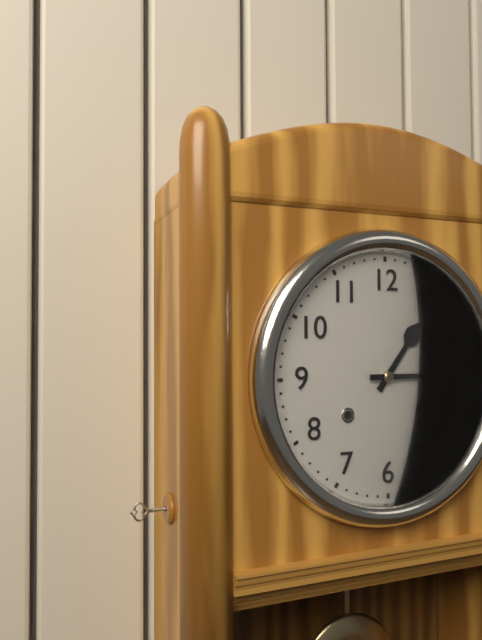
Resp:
**1:15**
